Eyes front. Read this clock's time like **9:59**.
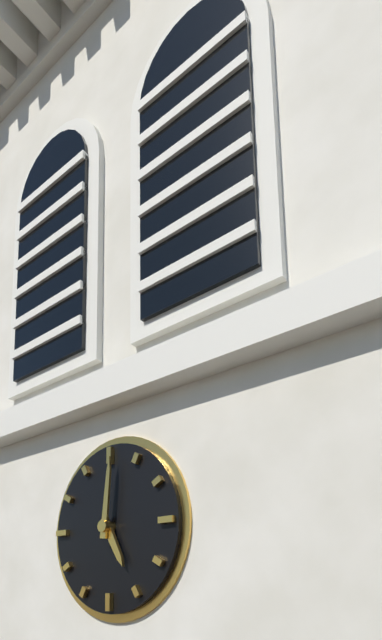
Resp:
**5:01**
